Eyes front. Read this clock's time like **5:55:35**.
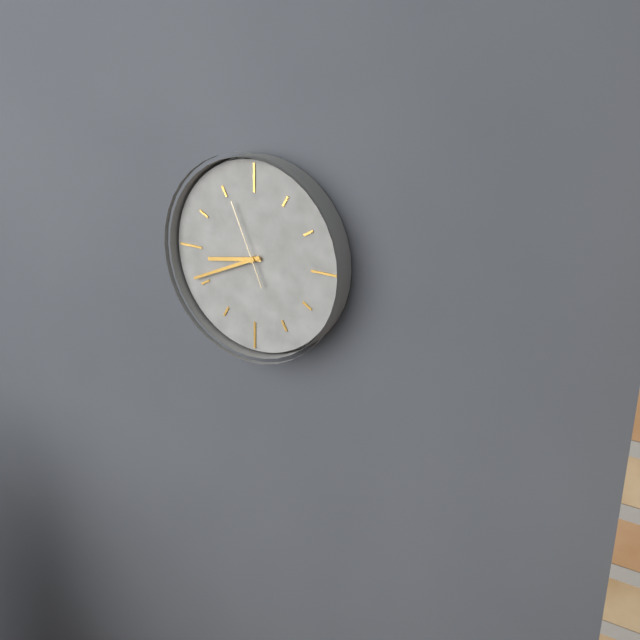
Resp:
**8:41:56**
